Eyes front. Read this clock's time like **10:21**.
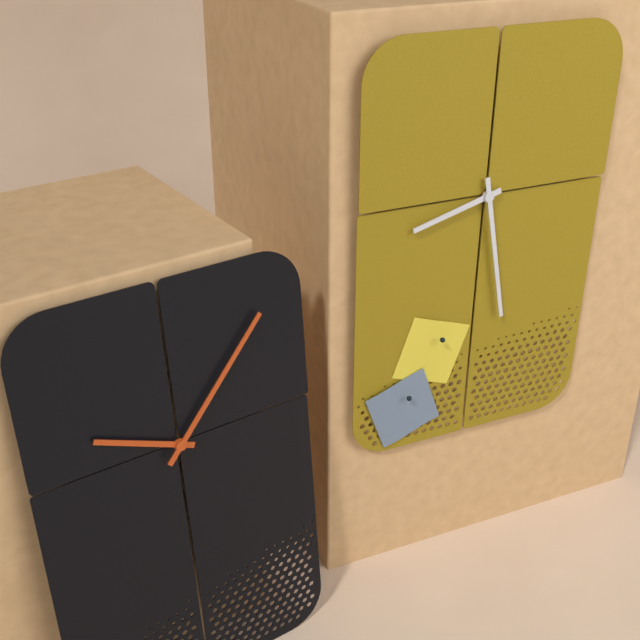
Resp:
**8:28**
